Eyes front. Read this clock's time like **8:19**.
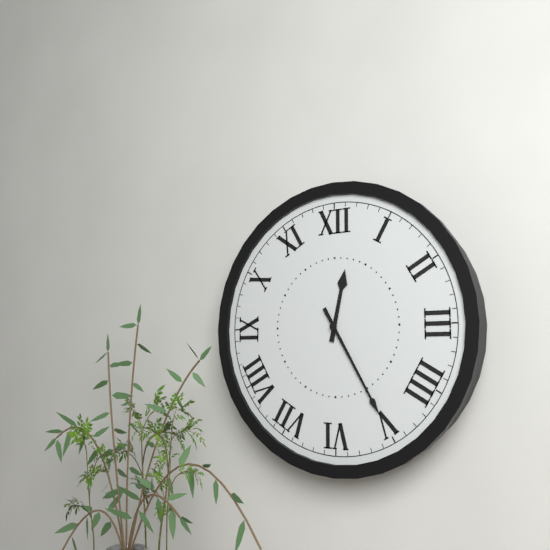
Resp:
**12:25**
